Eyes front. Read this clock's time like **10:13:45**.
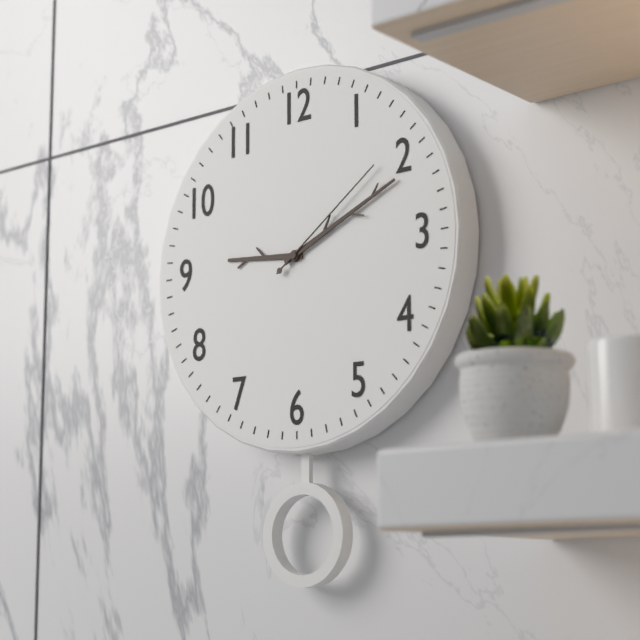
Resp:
**9:11:09**
